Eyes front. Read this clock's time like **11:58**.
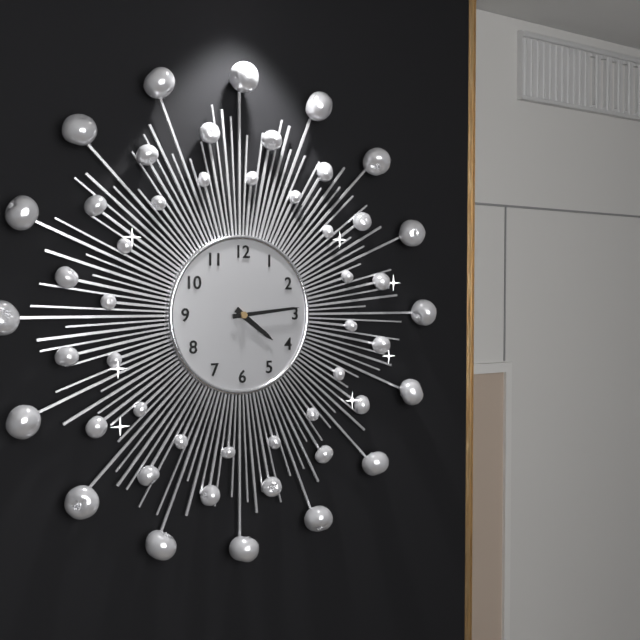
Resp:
**4:14**
